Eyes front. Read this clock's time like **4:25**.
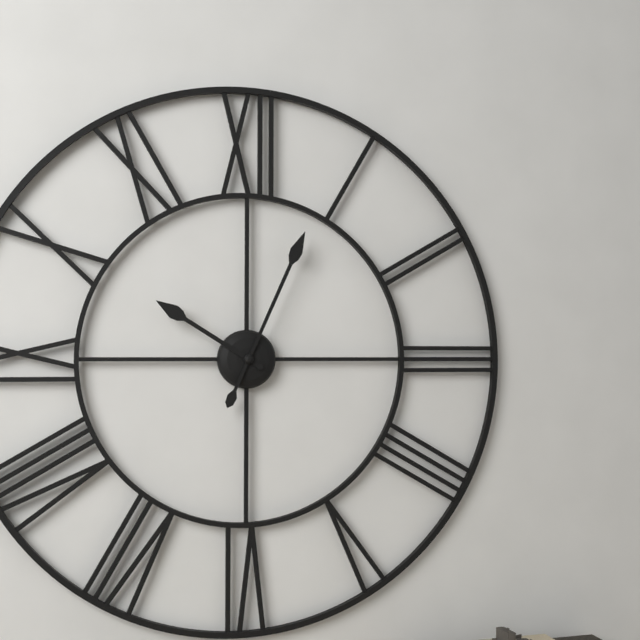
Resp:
**10:04**
